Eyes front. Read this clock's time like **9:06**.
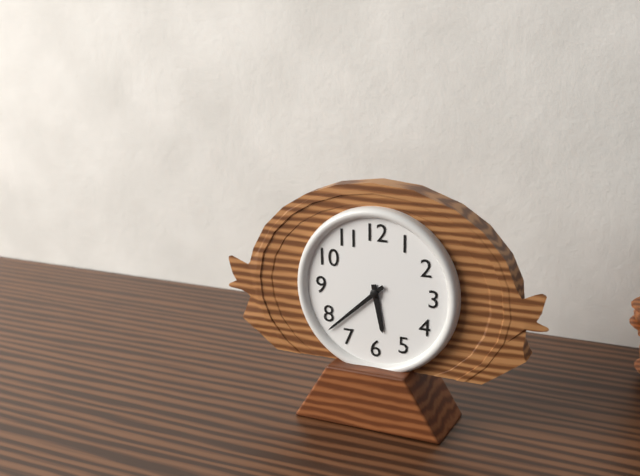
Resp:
**5:38**
